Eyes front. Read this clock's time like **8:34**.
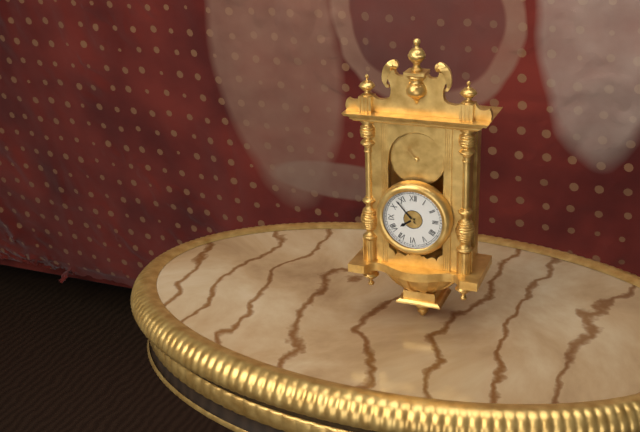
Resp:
**7:53**
